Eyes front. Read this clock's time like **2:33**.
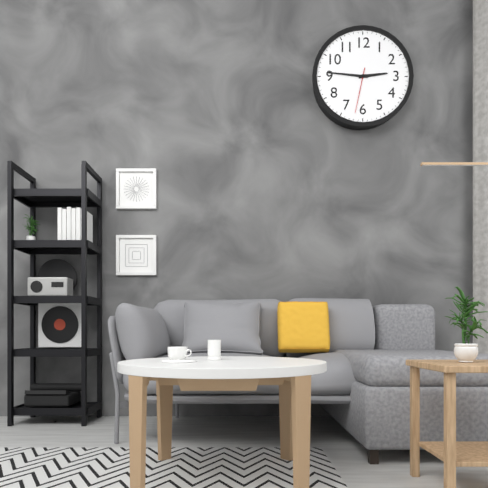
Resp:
**2:46**
